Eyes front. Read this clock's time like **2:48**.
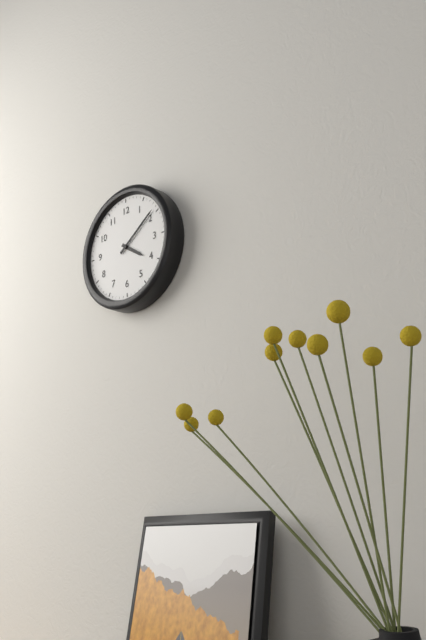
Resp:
**4:09**
